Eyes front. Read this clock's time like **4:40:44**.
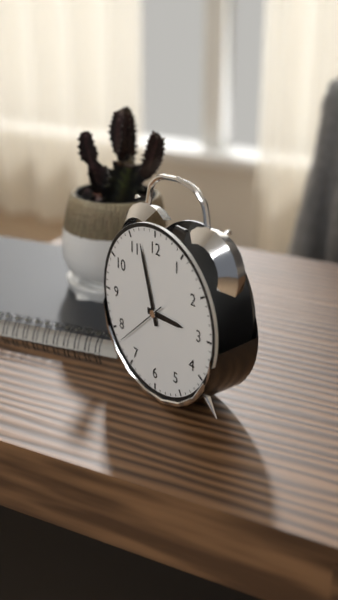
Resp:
**2:57:38**
